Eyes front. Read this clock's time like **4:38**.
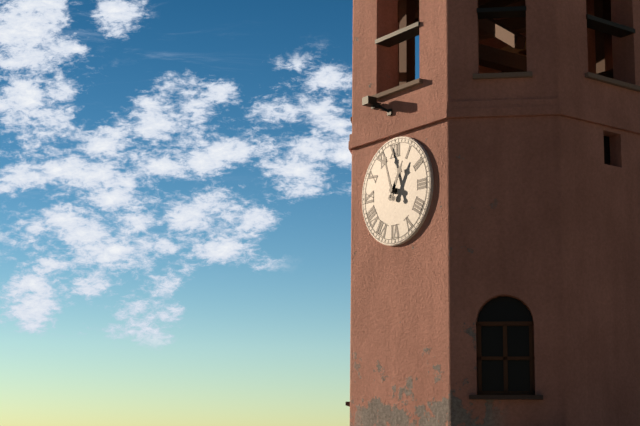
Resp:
**12:57**
